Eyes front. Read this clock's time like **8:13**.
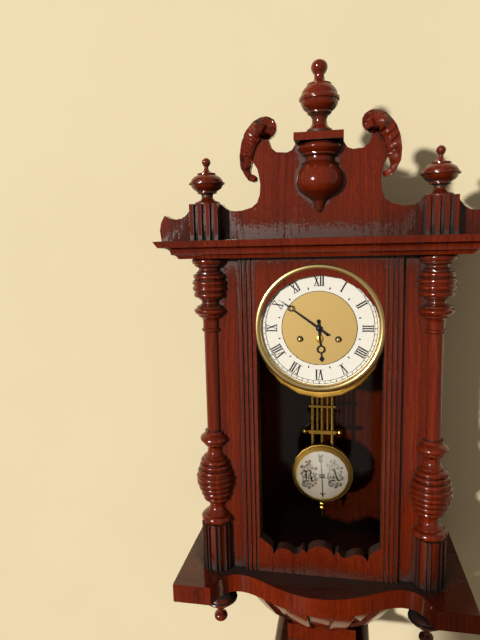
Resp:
**5:51**
